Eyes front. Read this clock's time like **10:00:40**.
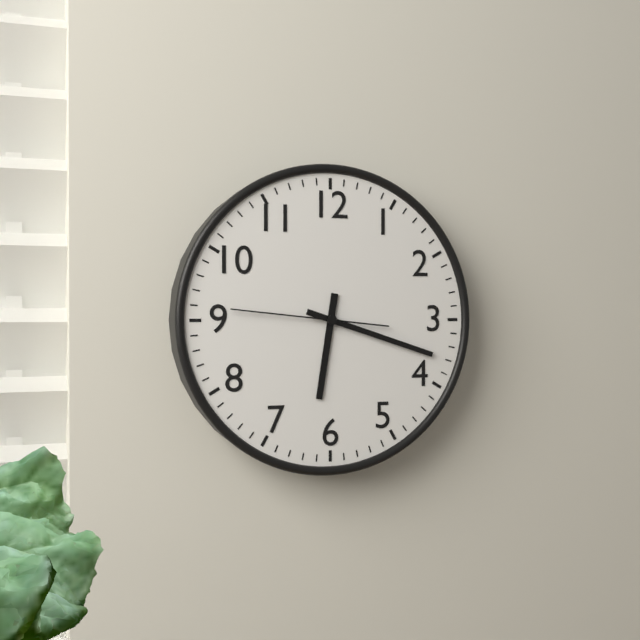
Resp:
**6:18:46**
